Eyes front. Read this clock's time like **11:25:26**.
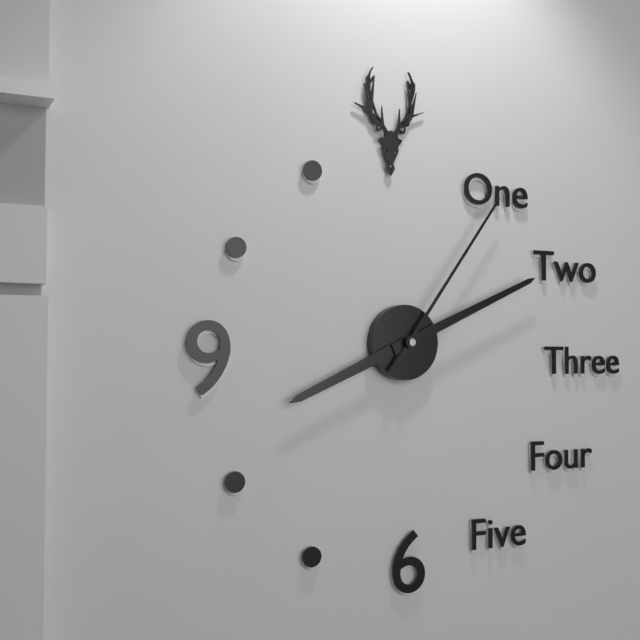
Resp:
**8:11:06**
